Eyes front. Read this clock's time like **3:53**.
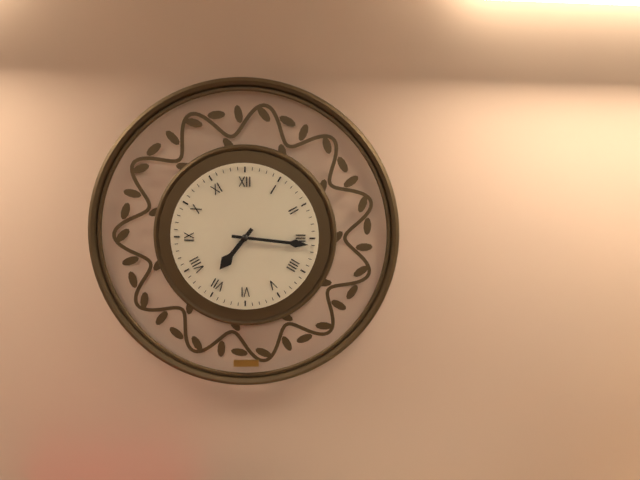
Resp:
**7:16**
